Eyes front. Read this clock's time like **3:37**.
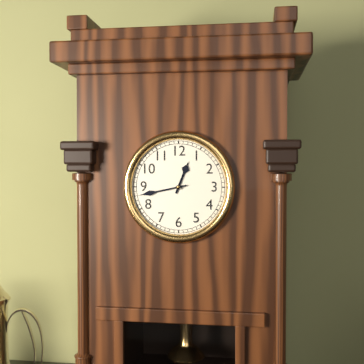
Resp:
**12:43**
